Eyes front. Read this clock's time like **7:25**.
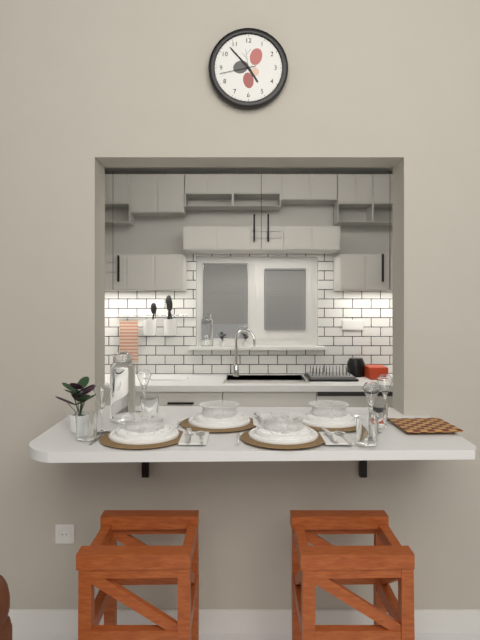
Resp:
**4:53**
